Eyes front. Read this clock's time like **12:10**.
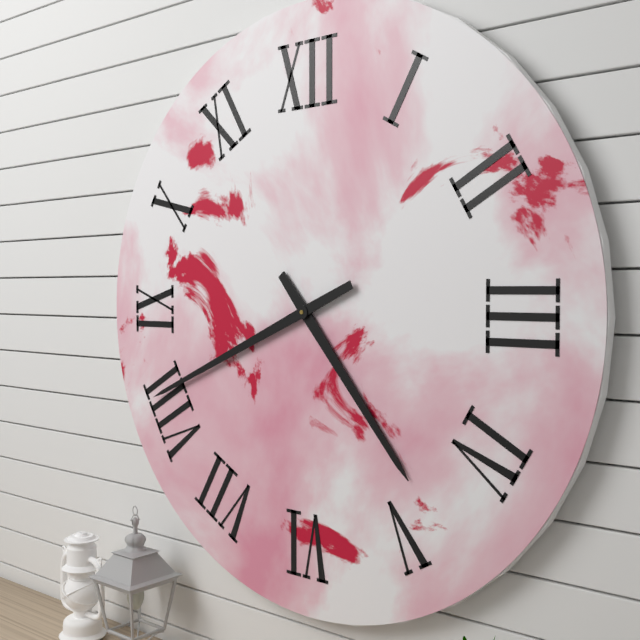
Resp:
**4:41**
